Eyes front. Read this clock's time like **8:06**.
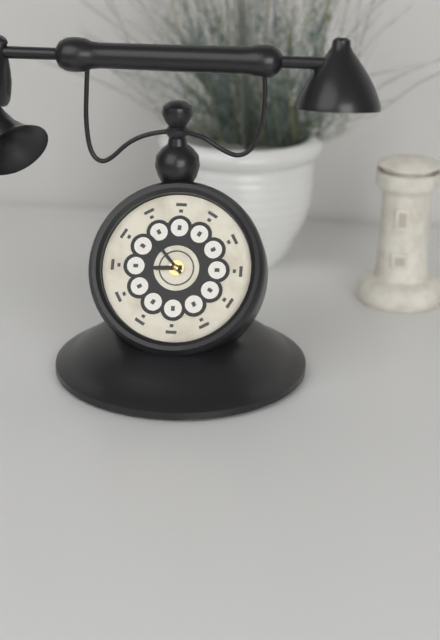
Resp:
**8:53**
